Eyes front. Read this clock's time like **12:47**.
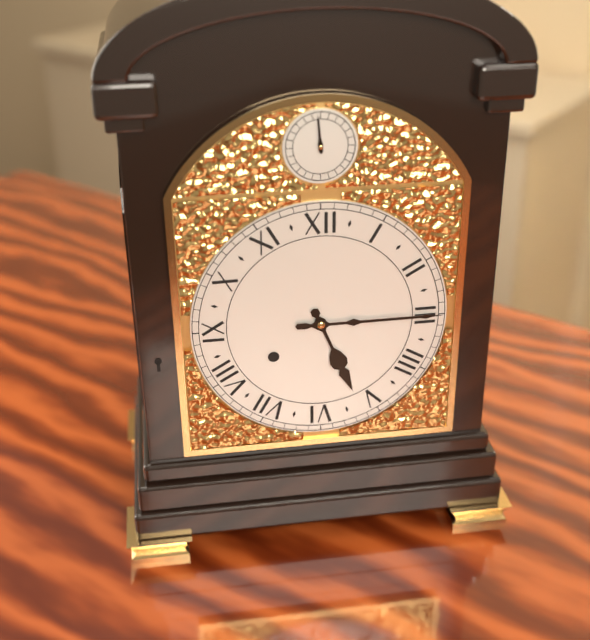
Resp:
**5:15**
